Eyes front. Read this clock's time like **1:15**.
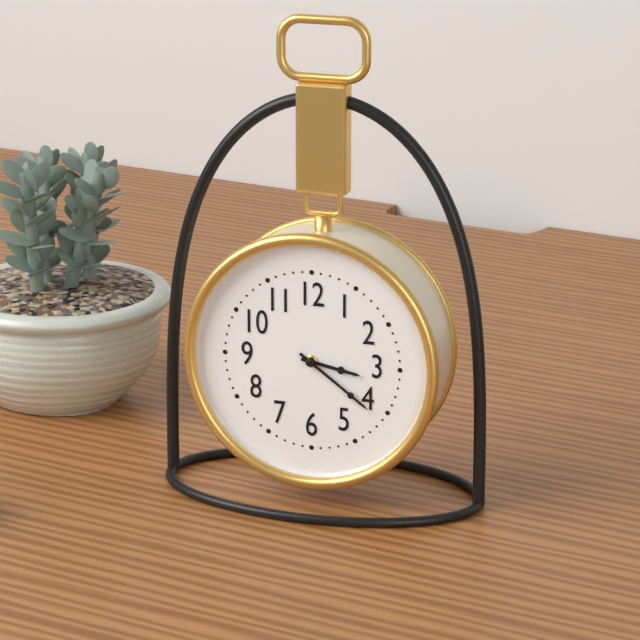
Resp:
**3:21**
